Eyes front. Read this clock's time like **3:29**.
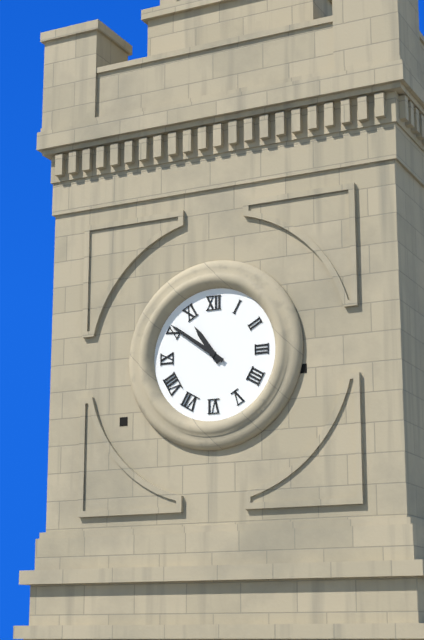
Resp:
**10:51**
